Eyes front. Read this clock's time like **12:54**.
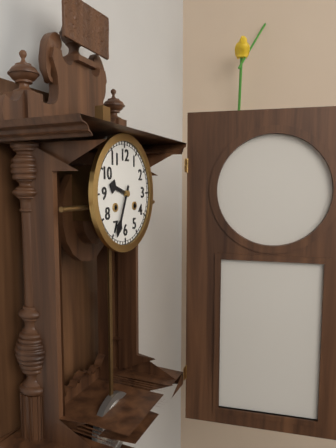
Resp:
**9:34**
